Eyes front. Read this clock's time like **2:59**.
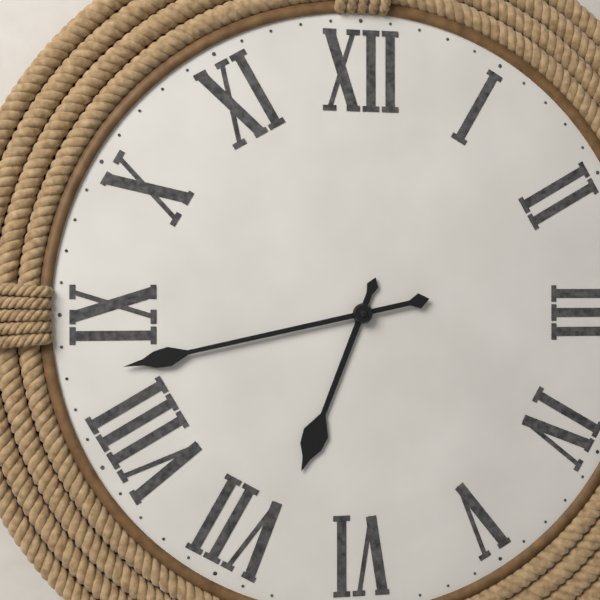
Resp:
**6:43**
